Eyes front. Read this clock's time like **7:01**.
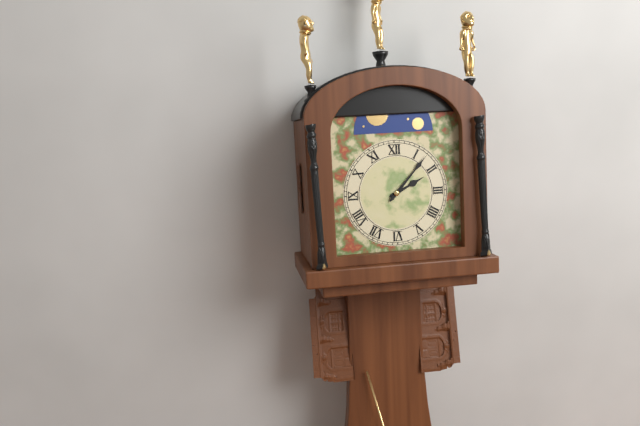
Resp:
**2:07**
